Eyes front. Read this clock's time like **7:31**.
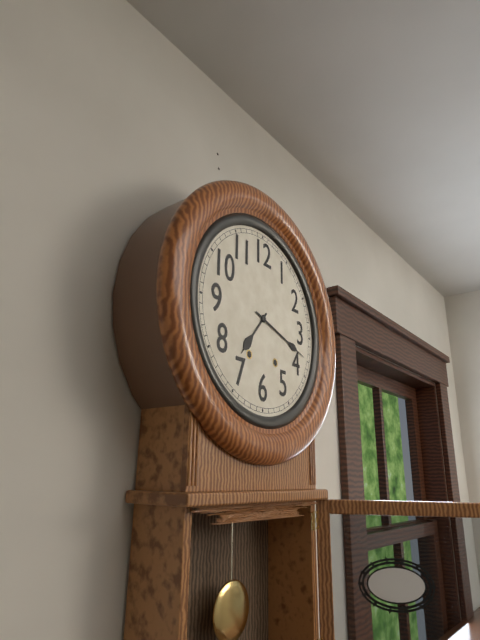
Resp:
**7:18**
